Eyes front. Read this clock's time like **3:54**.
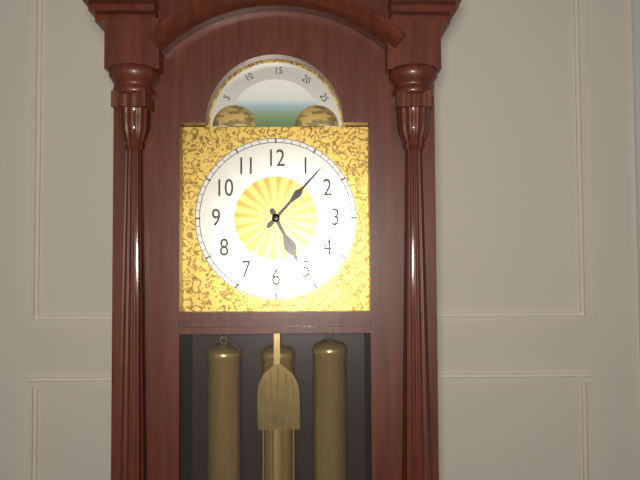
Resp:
**5:07**
